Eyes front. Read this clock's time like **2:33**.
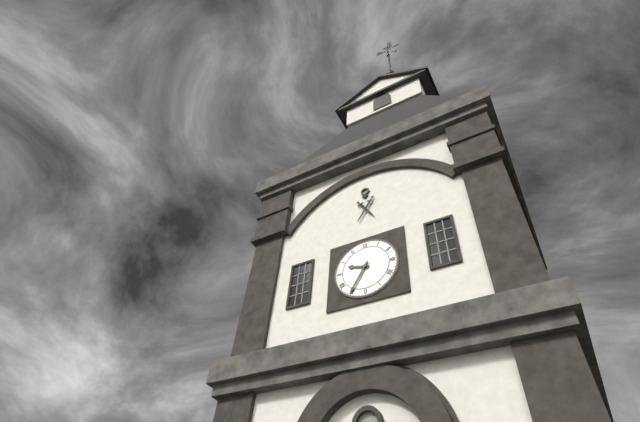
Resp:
**9:35**
